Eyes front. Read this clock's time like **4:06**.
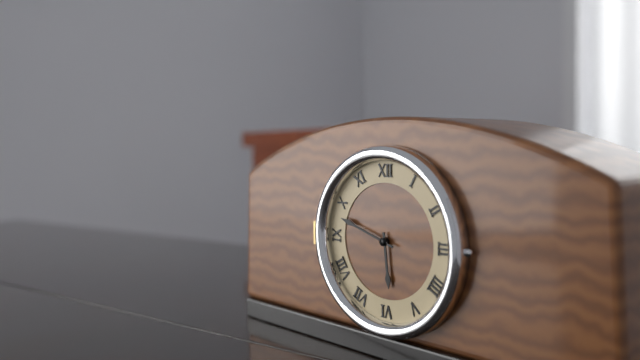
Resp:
**5:48**
